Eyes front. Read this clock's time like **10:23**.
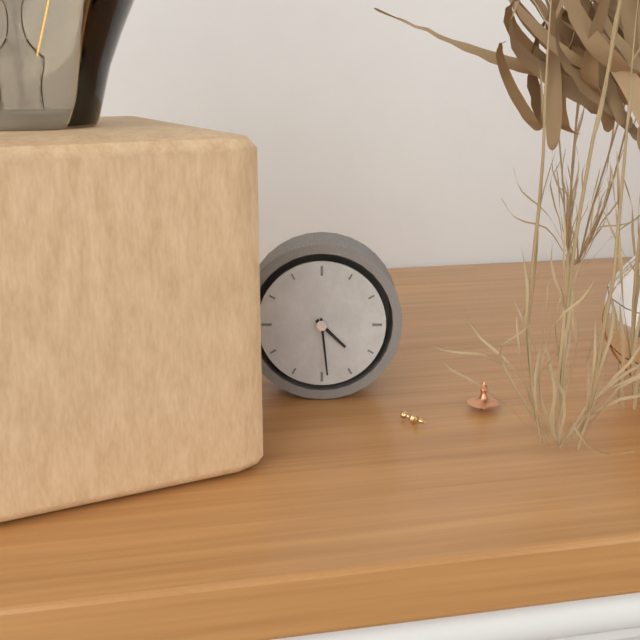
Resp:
**4:29**
